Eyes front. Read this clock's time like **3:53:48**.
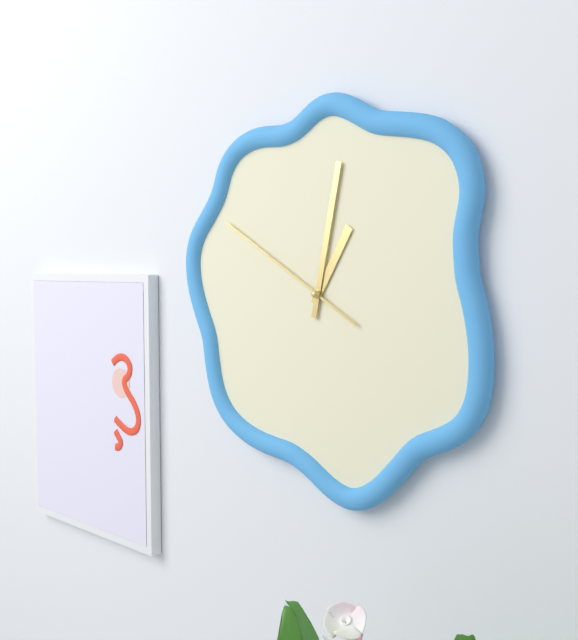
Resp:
**1:02:50**
